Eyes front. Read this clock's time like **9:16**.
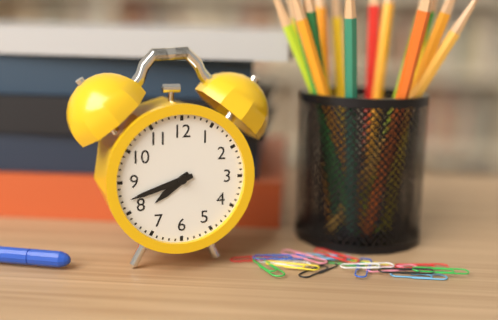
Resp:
**7:42**
